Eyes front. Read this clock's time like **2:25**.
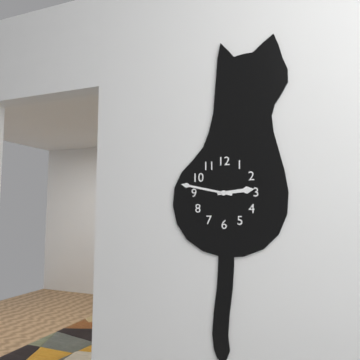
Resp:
**2:47**
